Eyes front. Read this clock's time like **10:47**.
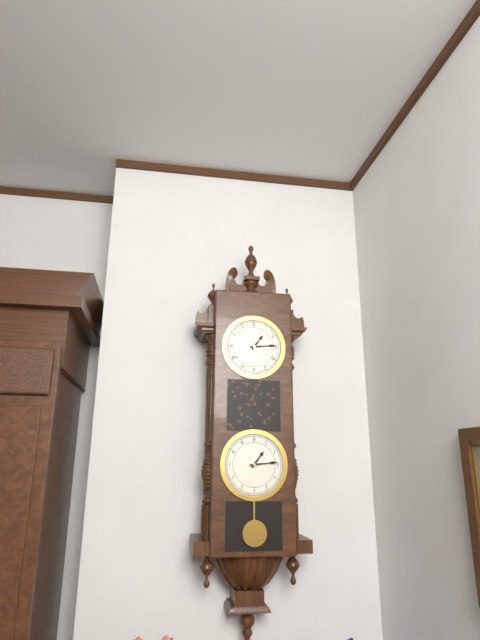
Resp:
**1:14**
